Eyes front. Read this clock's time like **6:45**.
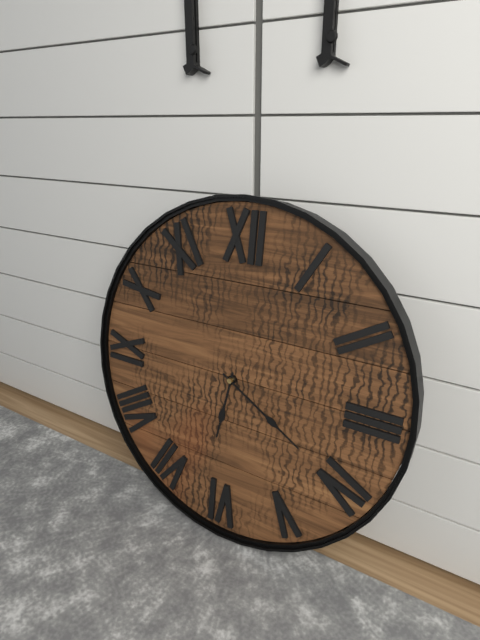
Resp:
**6:20**
